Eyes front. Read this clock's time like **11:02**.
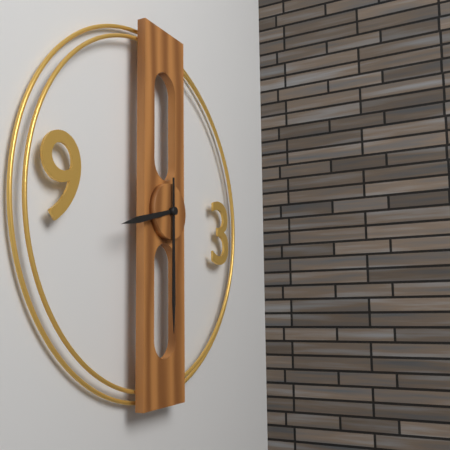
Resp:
**8:30**
